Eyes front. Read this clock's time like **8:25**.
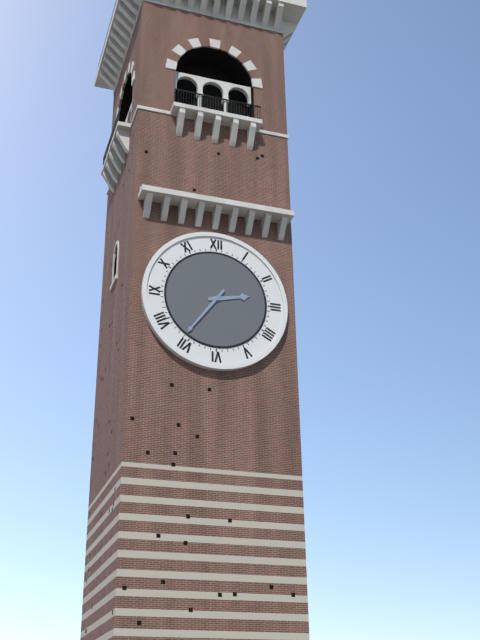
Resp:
**2:36**
